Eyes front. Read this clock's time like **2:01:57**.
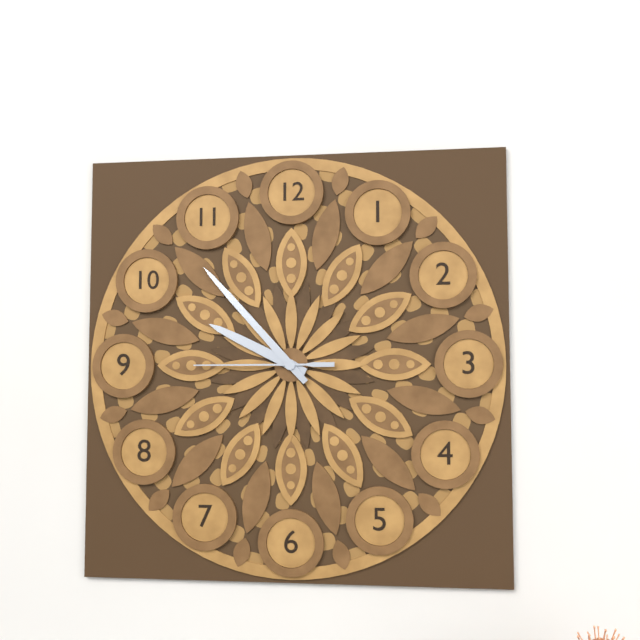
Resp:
**9:53:45**
